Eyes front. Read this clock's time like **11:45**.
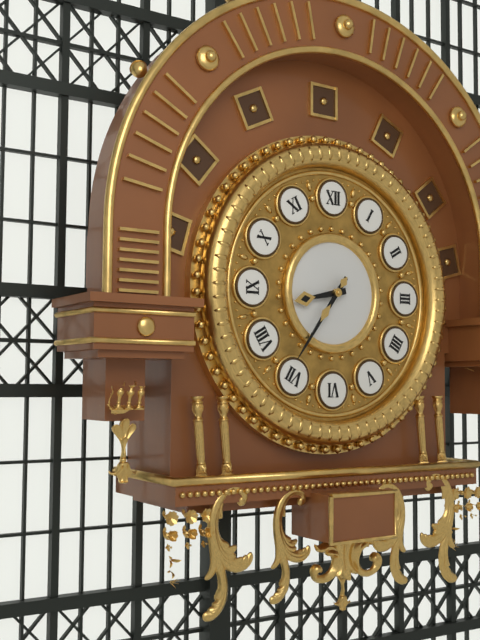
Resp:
**8:36**
